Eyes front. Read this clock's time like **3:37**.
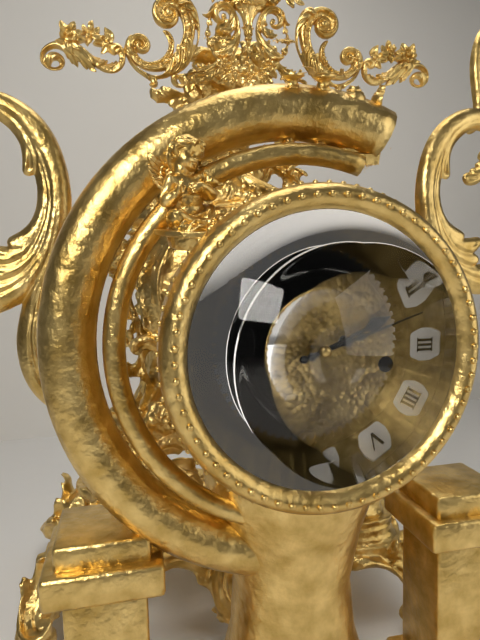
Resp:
**2:12**
